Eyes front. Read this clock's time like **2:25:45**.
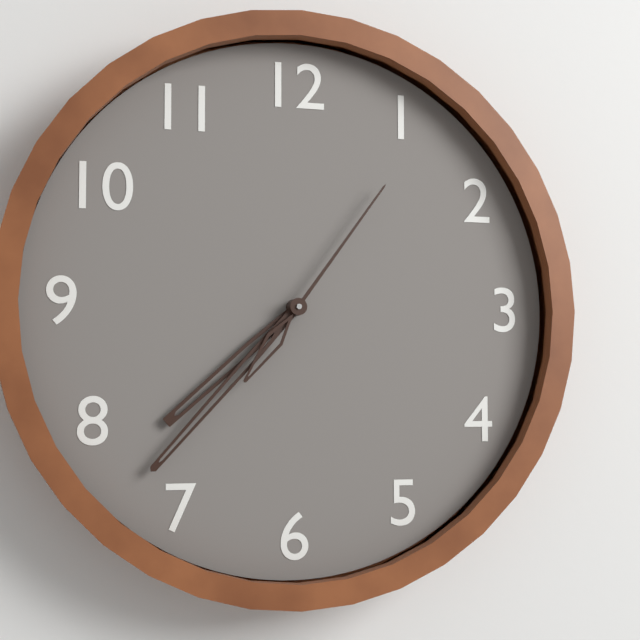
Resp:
**7:37:06**
